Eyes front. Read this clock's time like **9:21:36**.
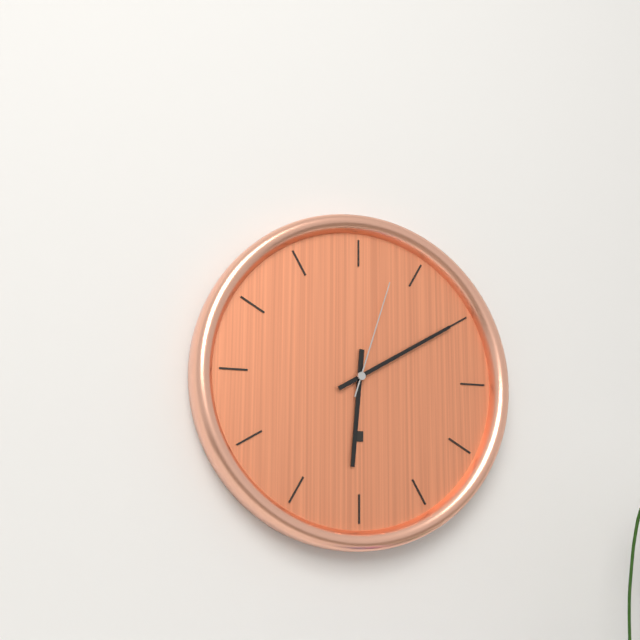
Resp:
**6:10:03**
